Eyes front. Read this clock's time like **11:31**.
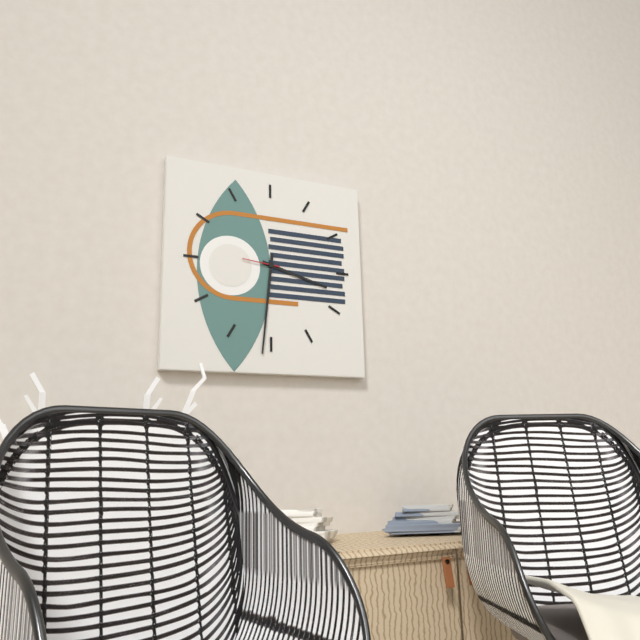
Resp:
**3:31**
